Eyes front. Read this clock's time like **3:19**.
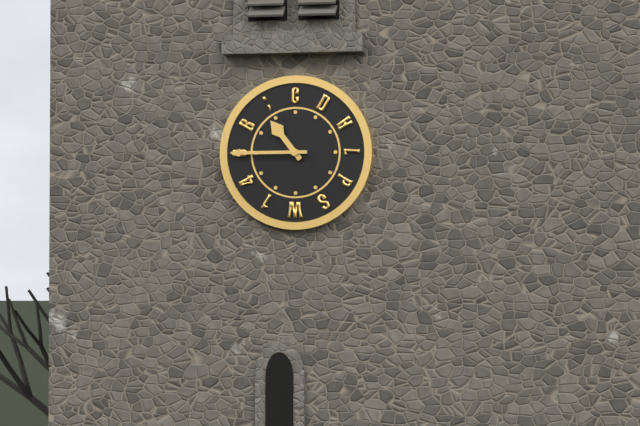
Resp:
**10:45**
